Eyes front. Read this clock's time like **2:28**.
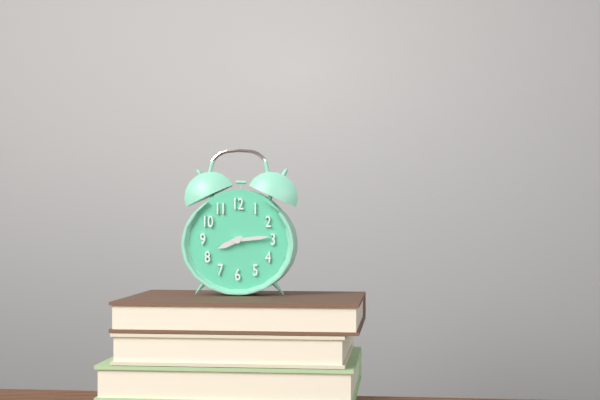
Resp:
**8:14**
